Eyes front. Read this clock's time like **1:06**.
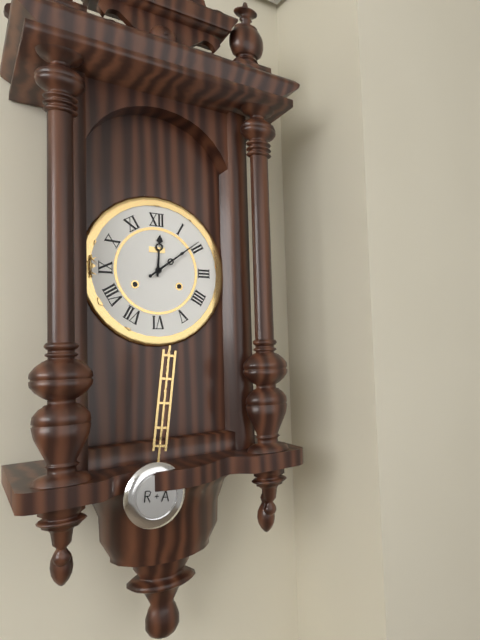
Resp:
**12:09**
